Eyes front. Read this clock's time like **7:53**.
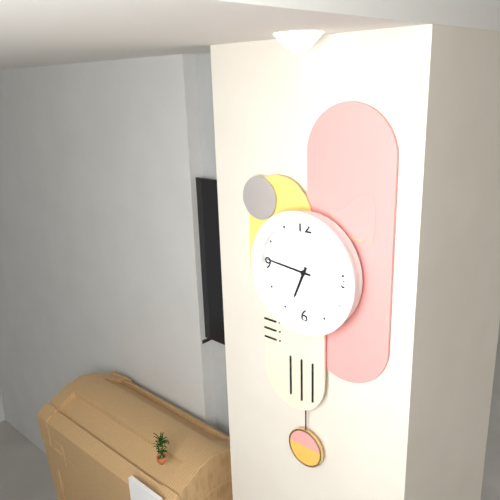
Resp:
**6:46**
